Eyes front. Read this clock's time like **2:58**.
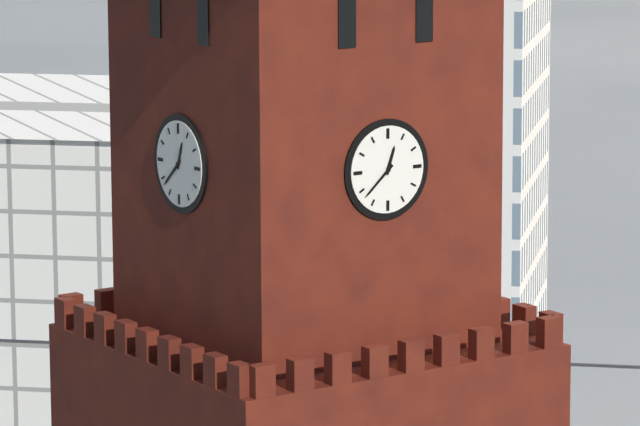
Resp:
**12:38**
